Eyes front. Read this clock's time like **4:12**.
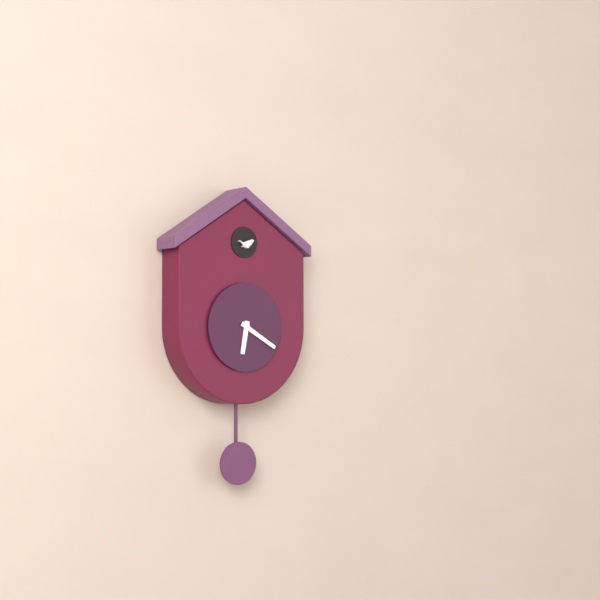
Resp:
**6:20**
